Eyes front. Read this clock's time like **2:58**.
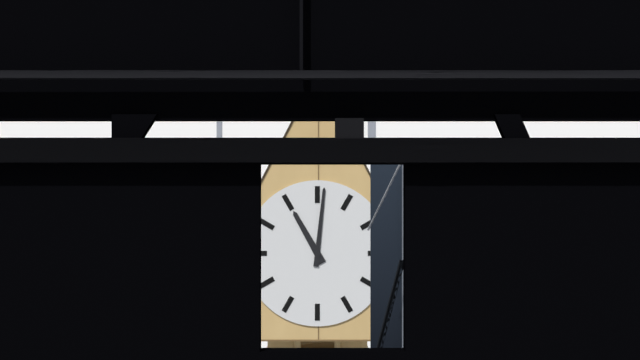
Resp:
**11:01**
